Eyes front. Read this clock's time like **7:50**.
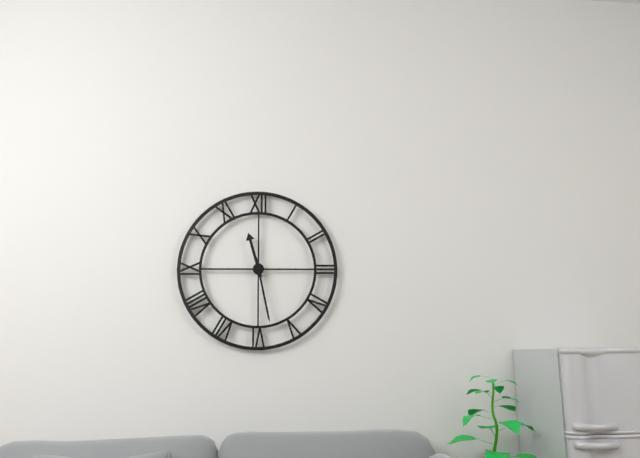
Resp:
**11:28**
